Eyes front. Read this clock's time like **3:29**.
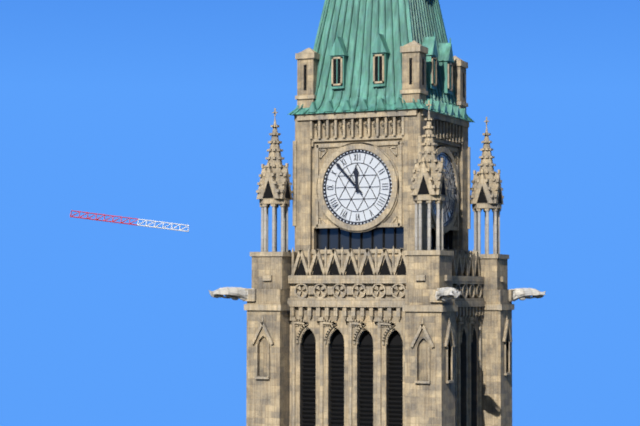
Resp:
**11:53**
